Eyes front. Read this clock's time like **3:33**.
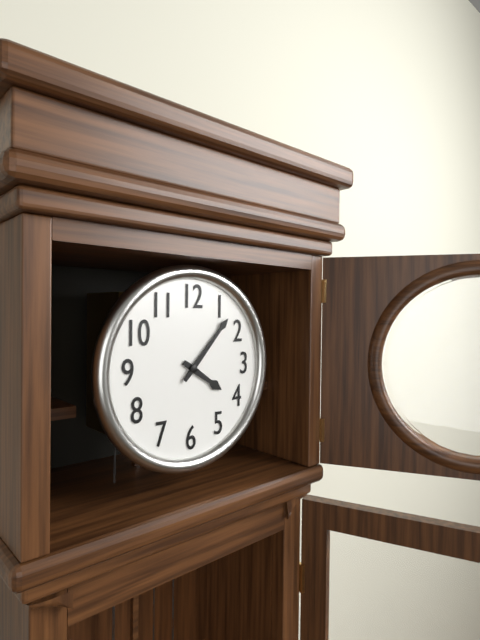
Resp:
**4:07**
